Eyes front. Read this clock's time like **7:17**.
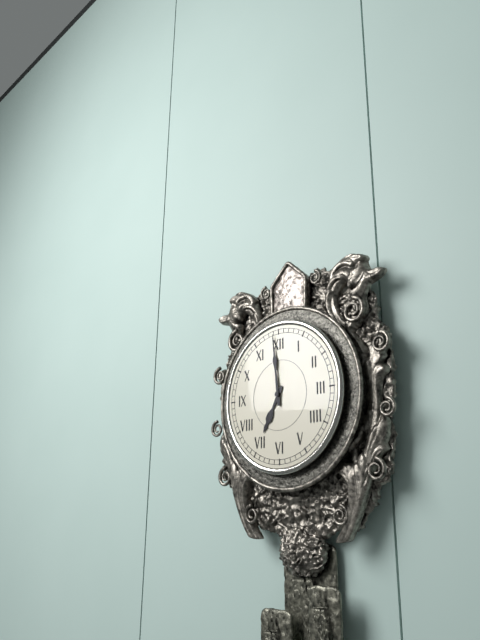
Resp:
**6:59**
